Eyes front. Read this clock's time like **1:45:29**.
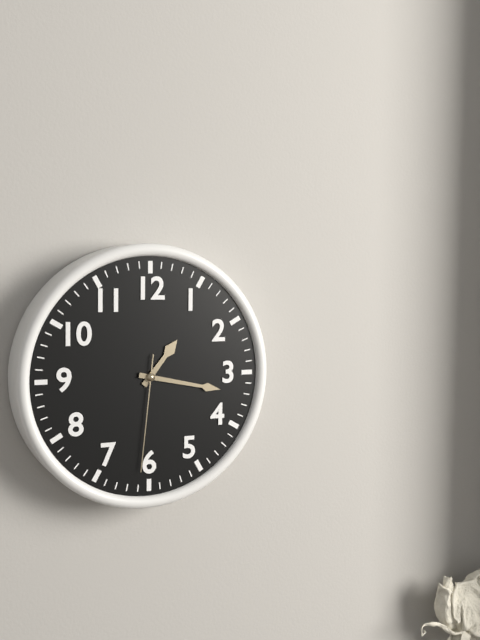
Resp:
**1:17:31**
